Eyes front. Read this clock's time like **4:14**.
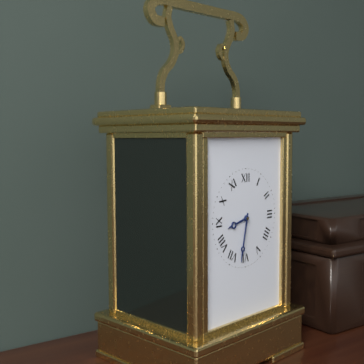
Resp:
**8:32**
